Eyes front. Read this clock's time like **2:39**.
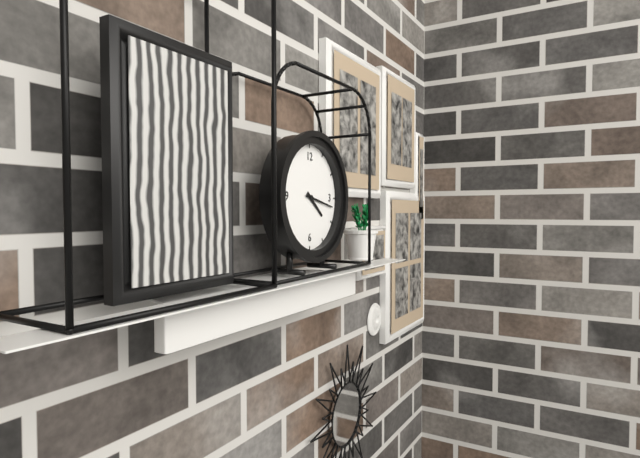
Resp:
**4:17**
